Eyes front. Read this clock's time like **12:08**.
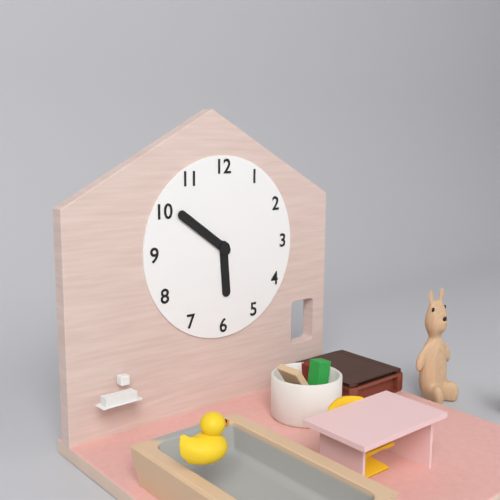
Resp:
**5:51**
